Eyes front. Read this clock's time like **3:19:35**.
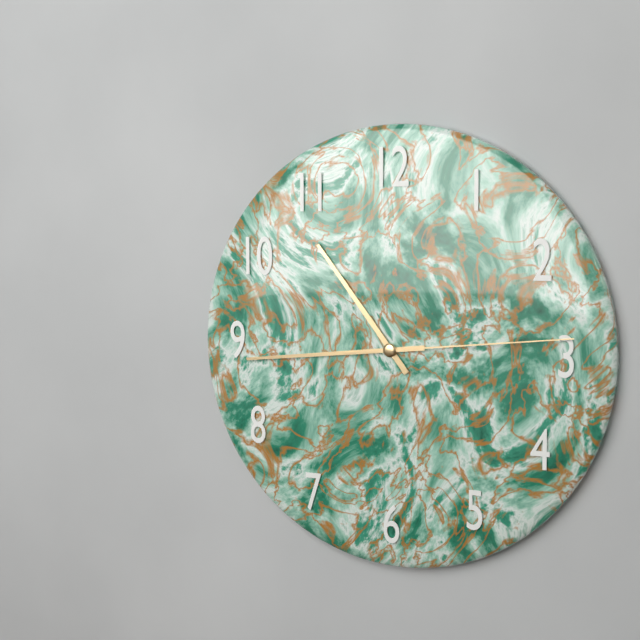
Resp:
**10:44:14**
